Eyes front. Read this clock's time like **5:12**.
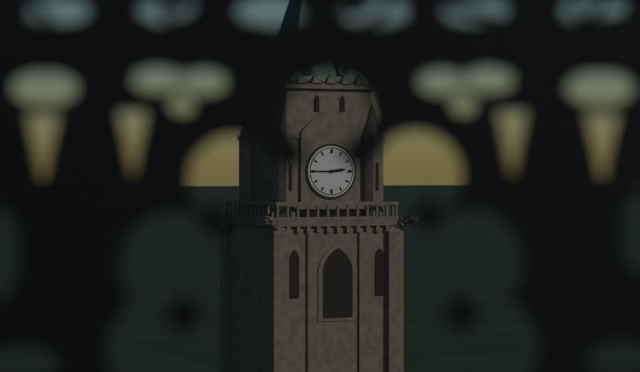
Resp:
**2:45**
